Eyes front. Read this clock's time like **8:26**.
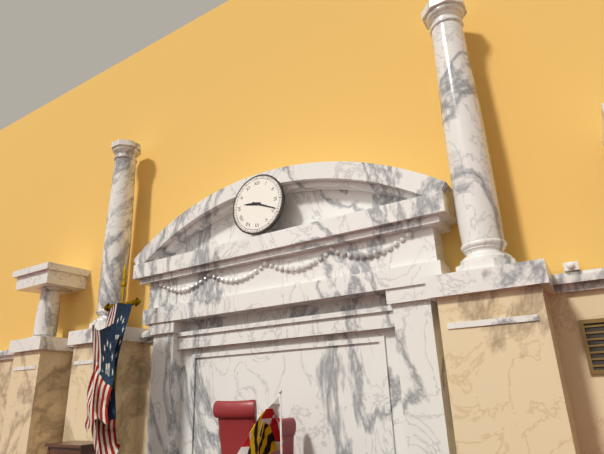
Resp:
**9:19**
